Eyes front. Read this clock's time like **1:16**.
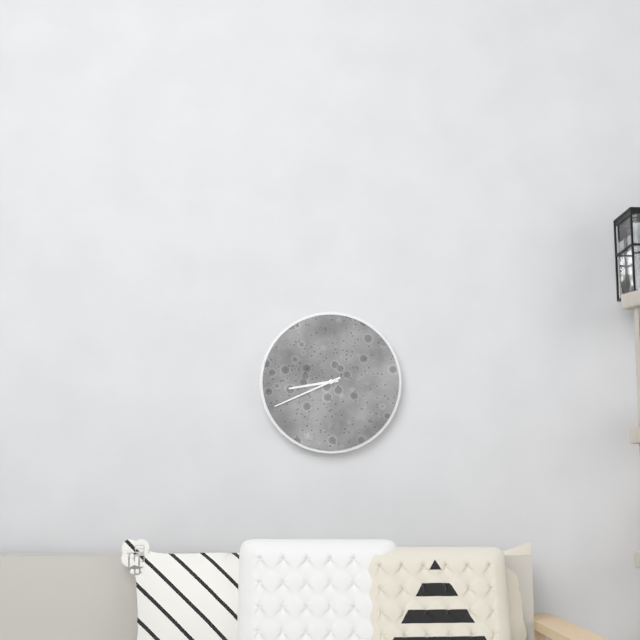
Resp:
**8:41**
